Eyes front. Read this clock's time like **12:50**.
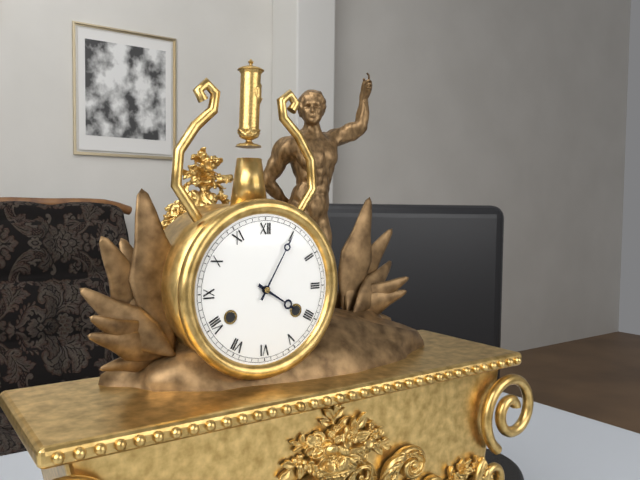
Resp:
**4:05**
